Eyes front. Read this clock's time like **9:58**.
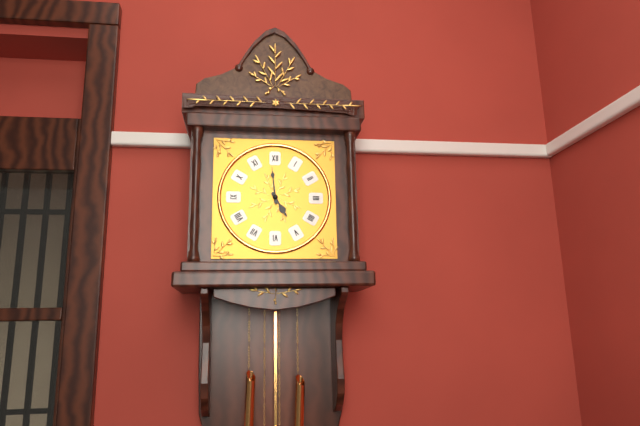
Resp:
**4:59**
